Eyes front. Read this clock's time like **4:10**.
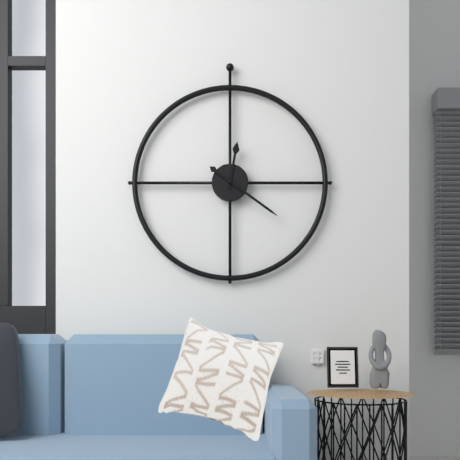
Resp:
**12:21**
